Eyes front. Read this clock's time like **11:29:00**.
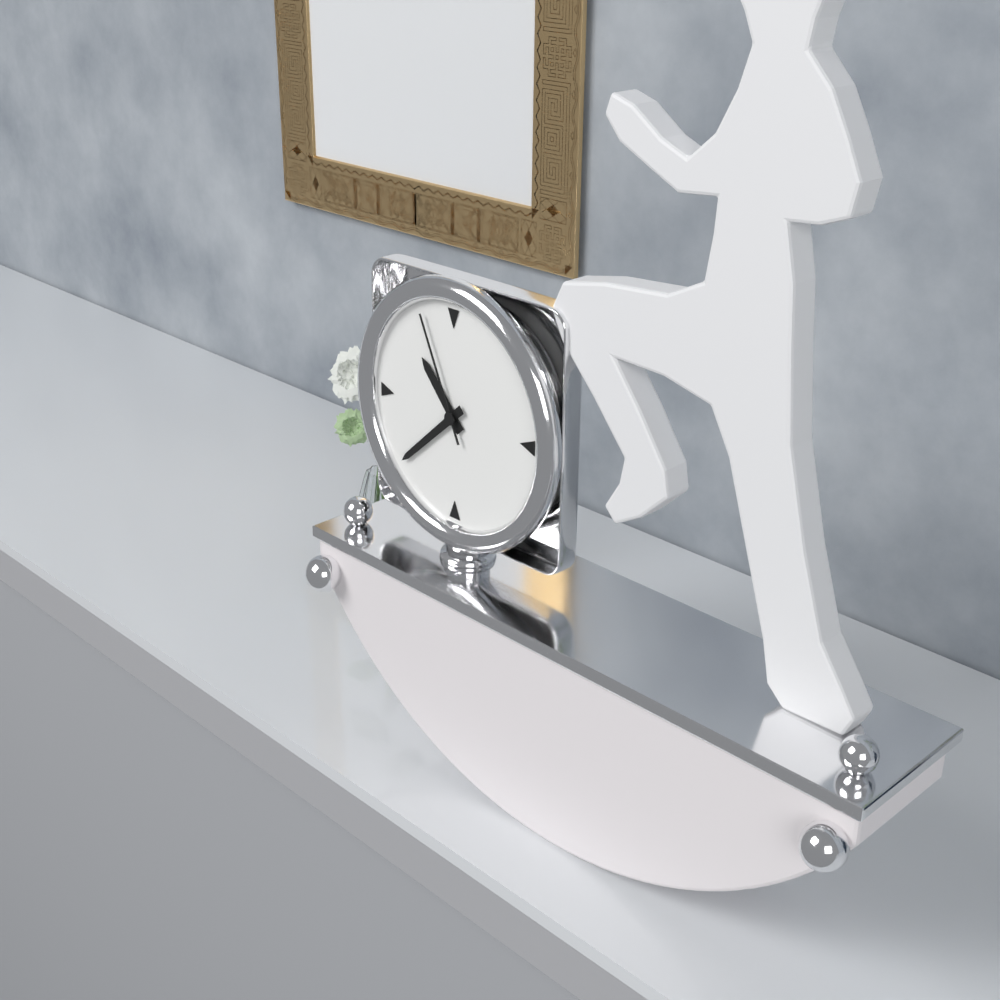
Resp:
**10:38:56**
